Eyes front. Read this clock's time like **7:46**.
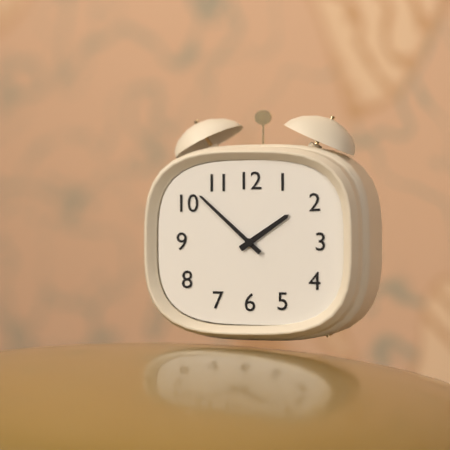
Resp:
**1:52**
